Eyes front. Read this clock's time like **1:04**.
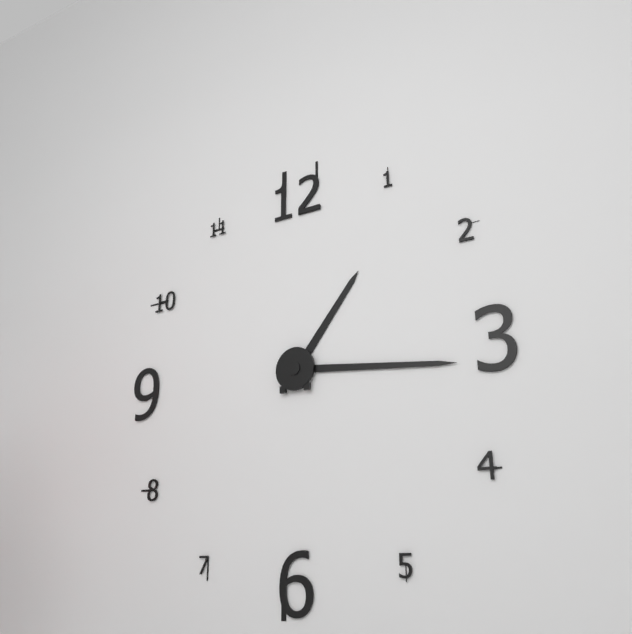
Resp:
**1:16**
